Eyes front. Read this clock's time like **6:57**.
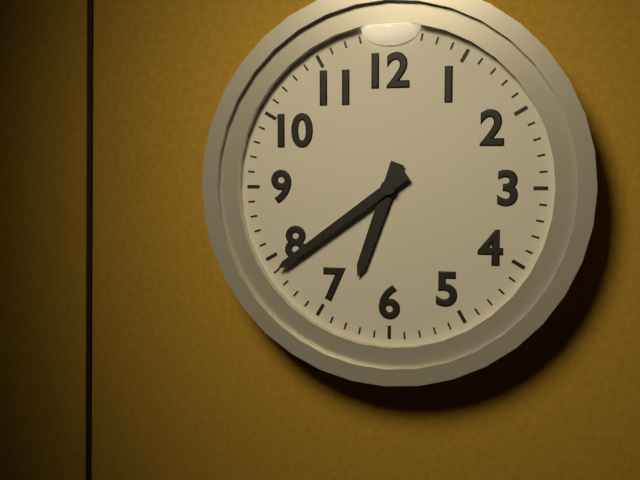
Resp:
**6:39**
